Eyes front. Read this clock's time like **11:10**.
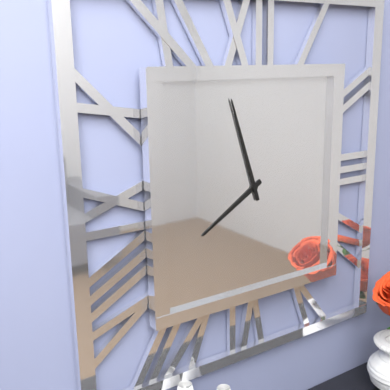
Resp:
**7:57**
